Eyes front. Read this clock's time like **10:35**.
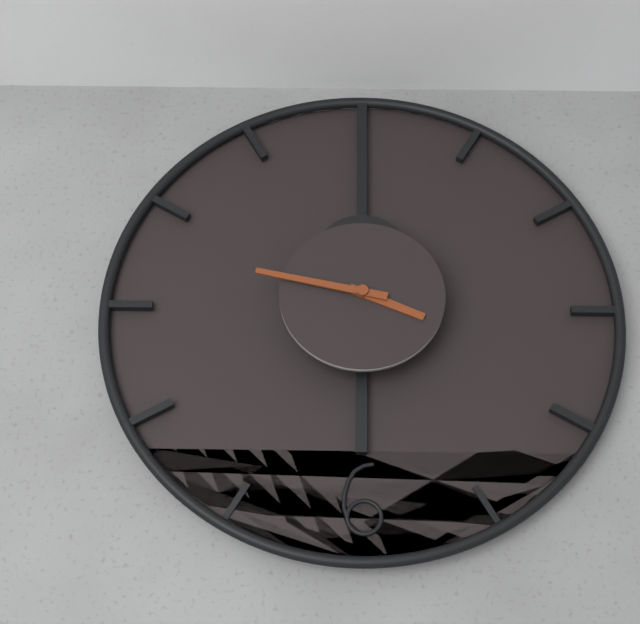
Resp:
**3:47**
